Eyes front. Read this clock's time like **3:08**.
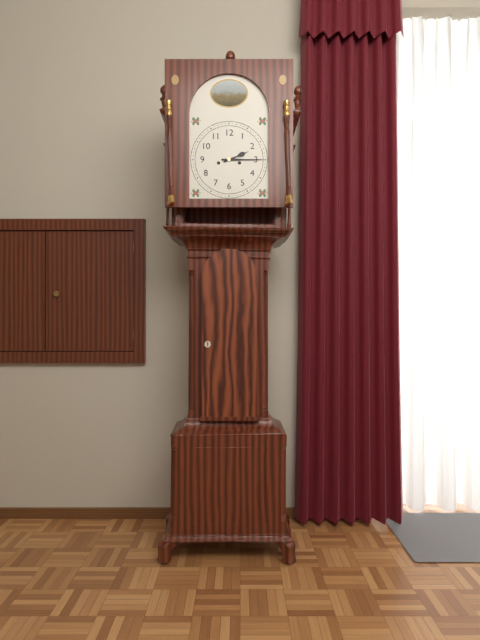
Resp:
**2:15**
